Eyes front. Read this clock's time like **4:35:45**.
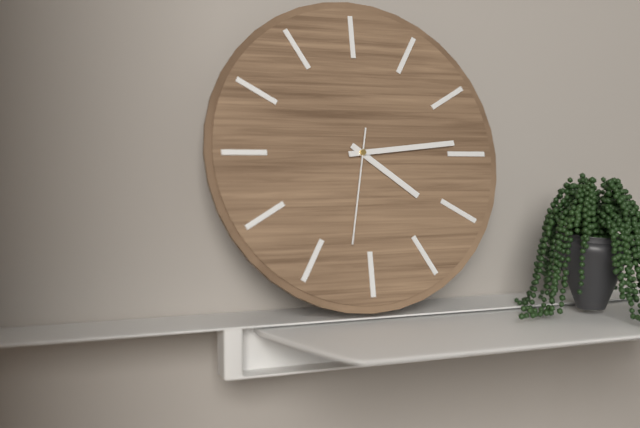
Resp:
**4:14:32**
